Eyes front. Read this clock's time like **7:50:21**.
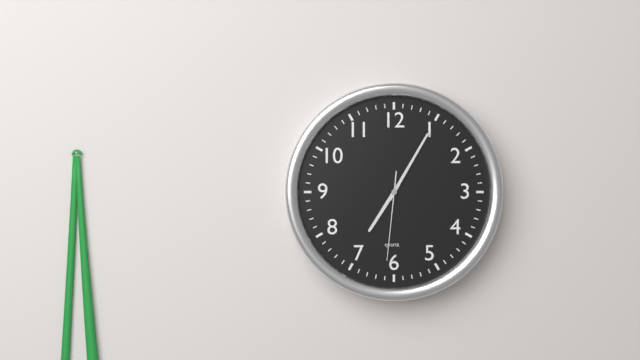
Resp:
**7:05:31**
